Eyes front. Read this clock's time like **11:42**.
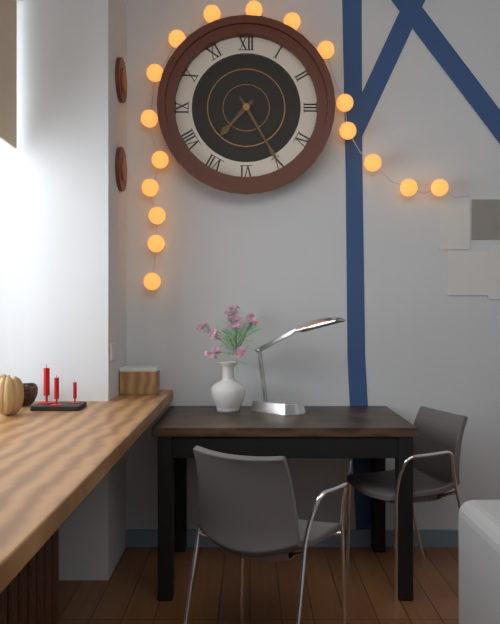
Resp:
**7:25**
